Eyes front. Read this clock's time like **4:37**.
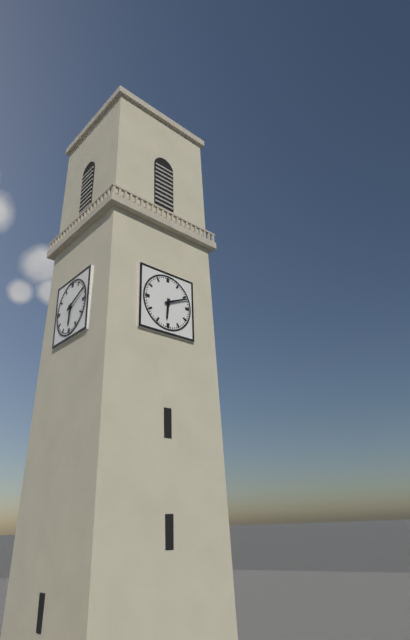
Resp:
**6:11**
